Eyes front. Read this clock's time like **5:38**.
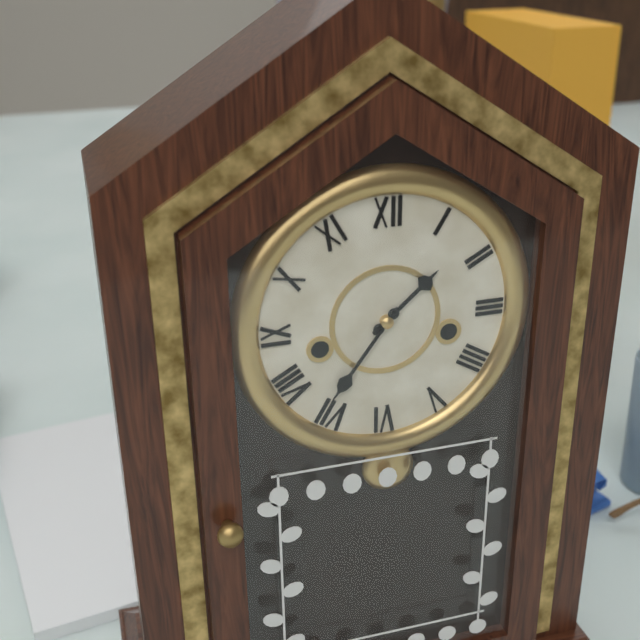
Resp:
**1:36**
